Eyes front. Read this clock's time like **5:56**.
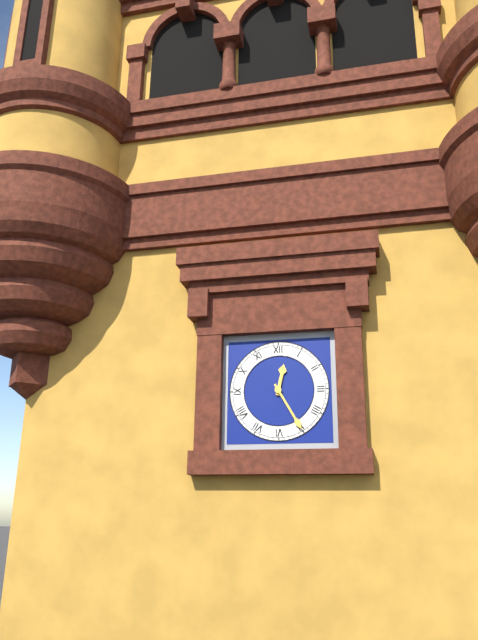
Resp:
**12:25**
